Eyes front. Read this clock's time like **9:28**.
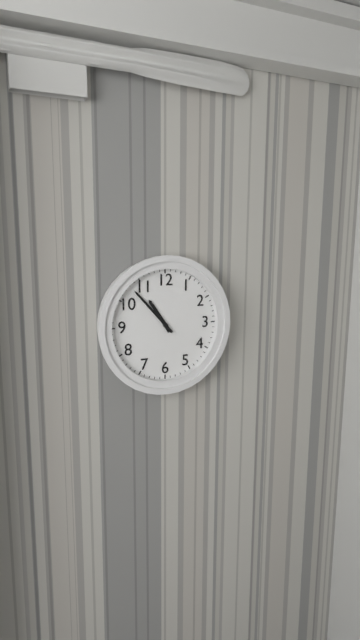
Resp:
**10:53**
